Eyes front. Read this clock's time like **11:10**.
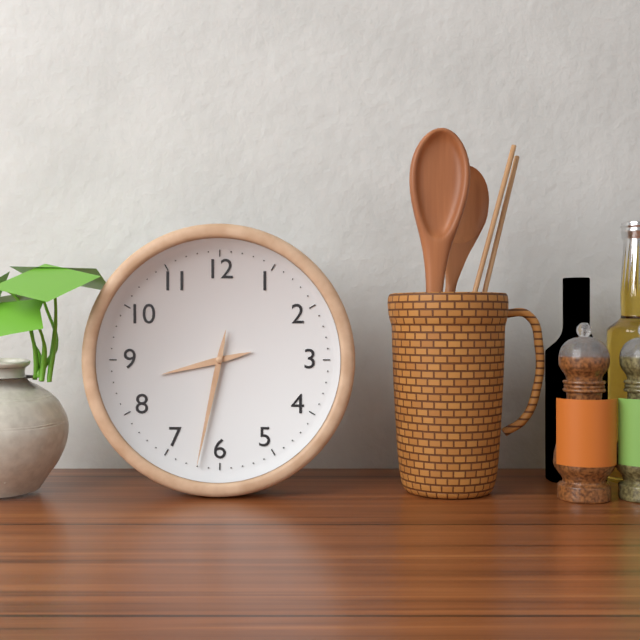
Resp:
**8:32**
